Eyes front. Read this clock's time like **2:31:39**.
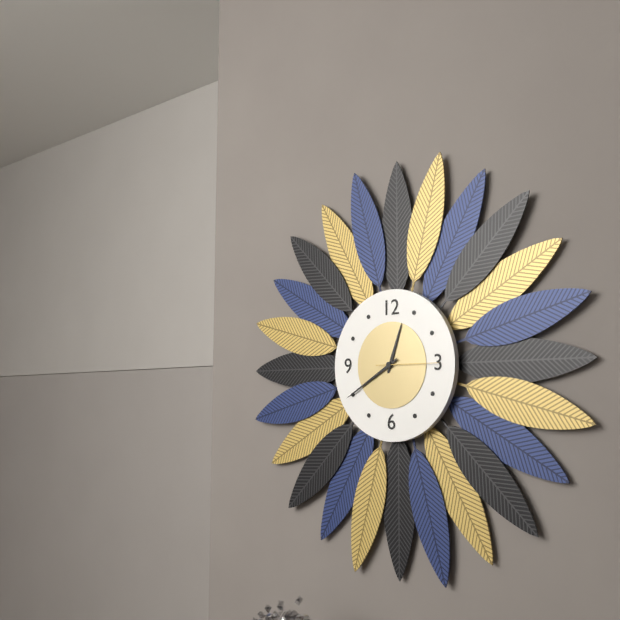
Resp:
**12:40:15**
